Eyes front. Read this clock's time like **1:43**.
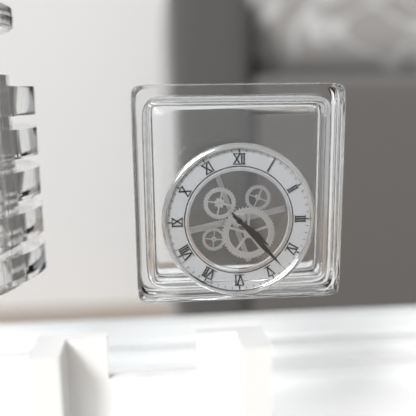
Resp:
**4:23**
